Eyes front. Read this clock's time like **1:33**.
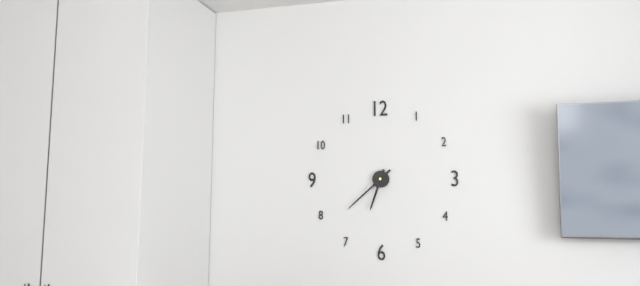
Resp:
**6:38**
